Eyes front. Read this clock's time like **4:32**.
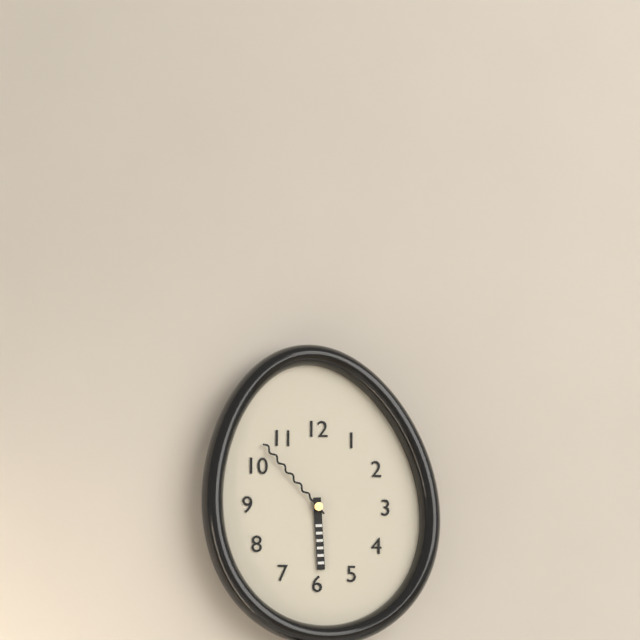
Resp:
**5:53**
